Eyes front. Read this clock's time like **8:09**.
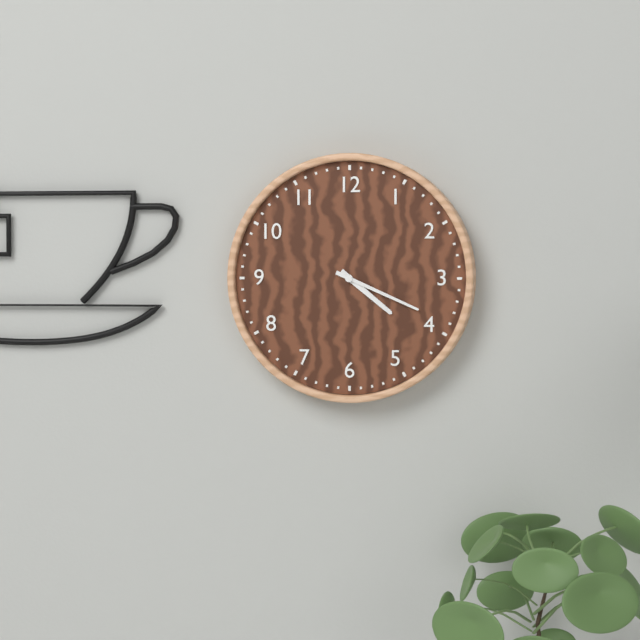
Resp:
**4:19**
